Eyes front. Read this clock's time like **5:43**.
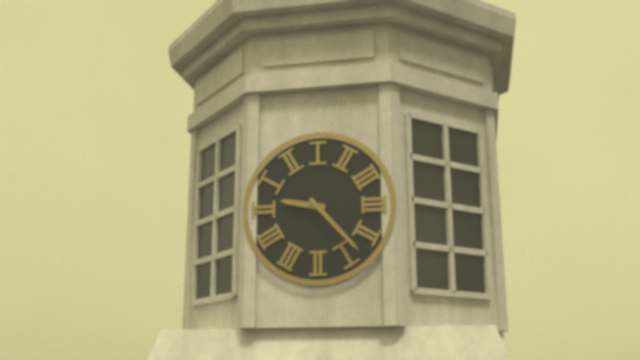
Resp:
**9:23**
